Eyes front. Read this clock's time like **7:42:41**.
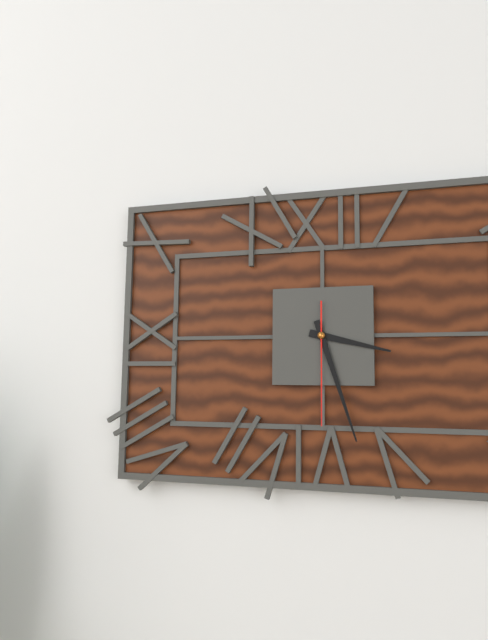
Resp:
**3:27:30**
